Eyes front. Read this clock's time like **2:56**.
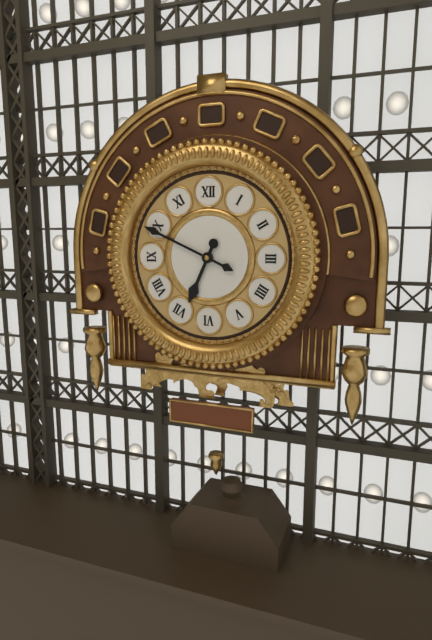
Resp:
**6:49**
